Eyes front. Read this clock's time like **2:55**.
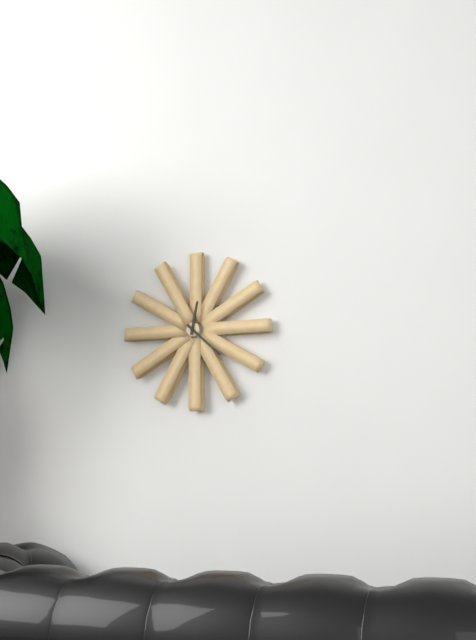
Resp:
**12:22**
